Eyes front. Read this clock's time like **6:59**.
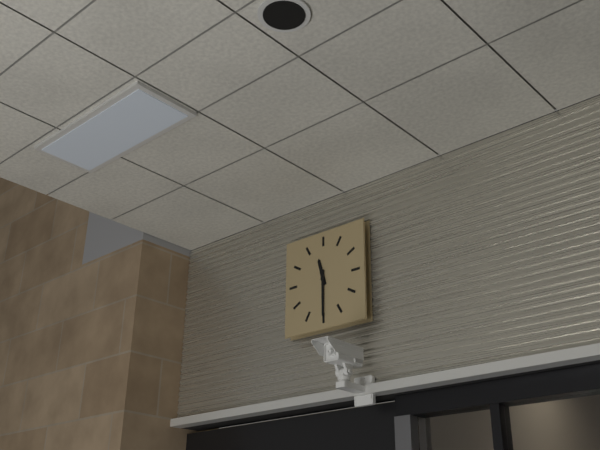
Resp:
**11:30**
